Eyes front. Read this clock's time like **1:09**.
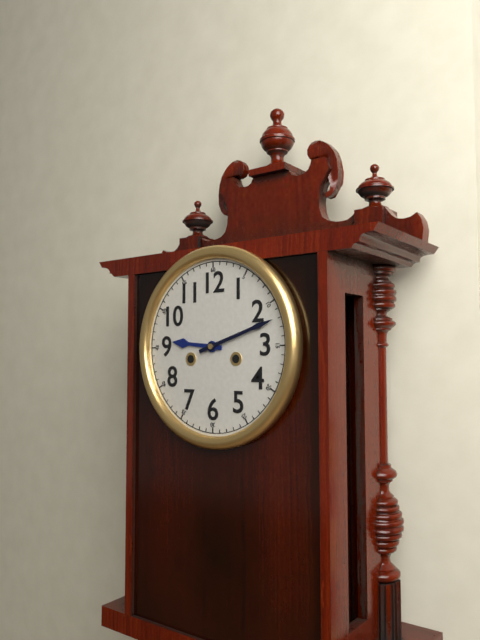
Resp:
**9:12**
